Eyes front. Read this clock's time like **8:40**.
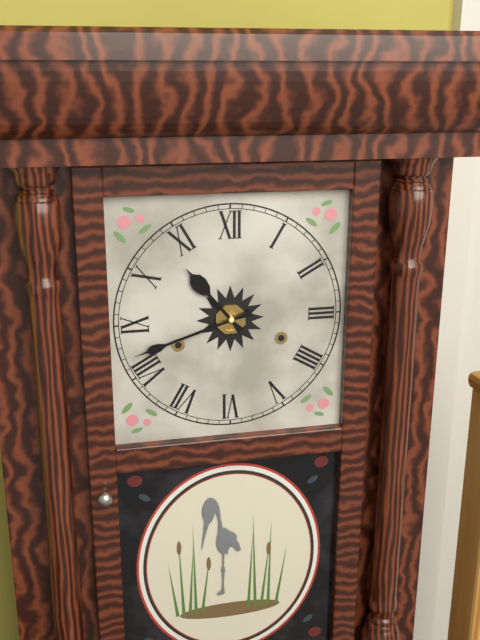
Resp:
**10:42**
